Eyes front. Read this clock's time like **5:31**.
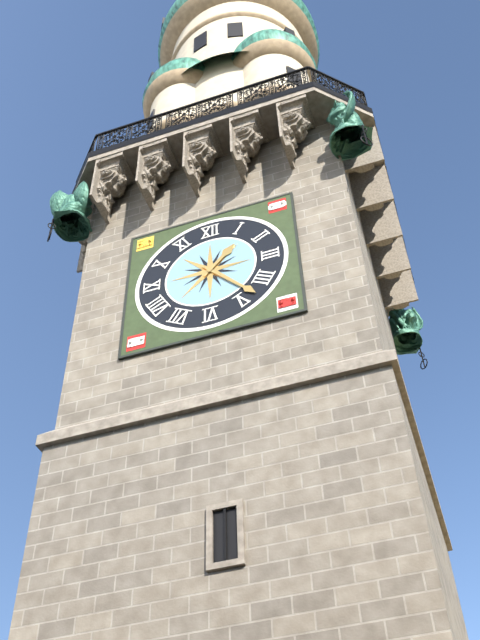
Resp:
**1:23**
